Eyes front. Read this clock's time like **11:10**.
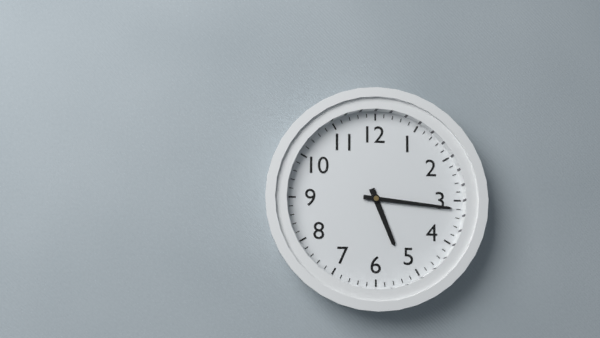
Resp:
**5:16**
